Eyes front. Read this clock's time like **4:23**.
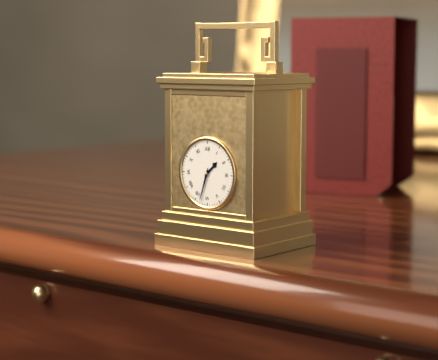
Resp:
**1:33**
